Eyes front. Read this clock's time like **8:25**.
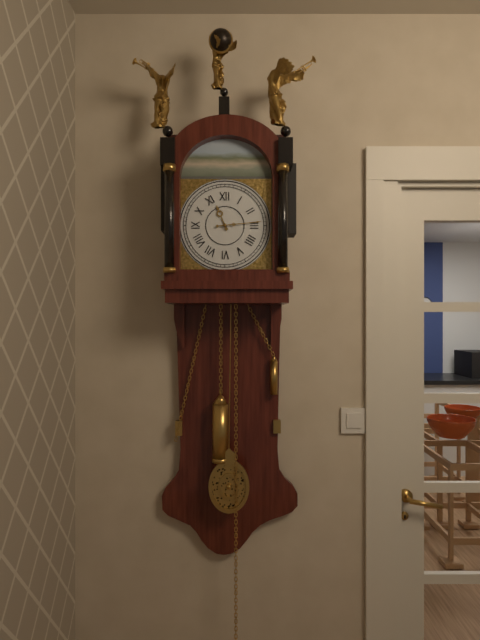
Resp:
**11:14**
